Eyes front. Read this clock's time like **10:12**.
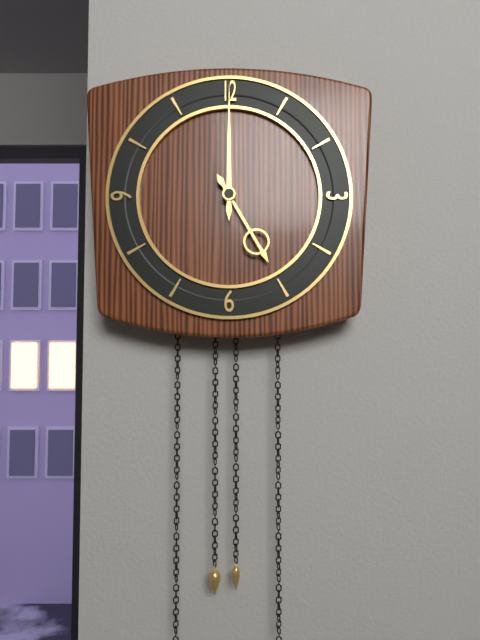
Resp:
**5:00**
